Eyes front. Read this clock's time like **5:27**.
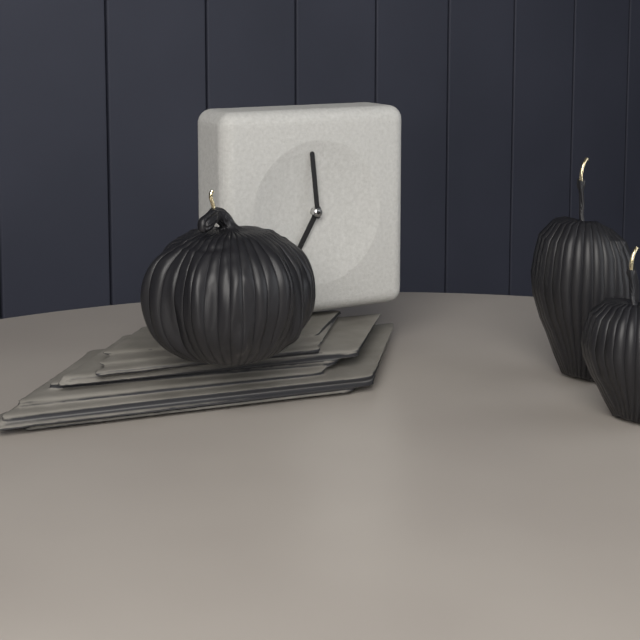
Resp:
**6:59**
